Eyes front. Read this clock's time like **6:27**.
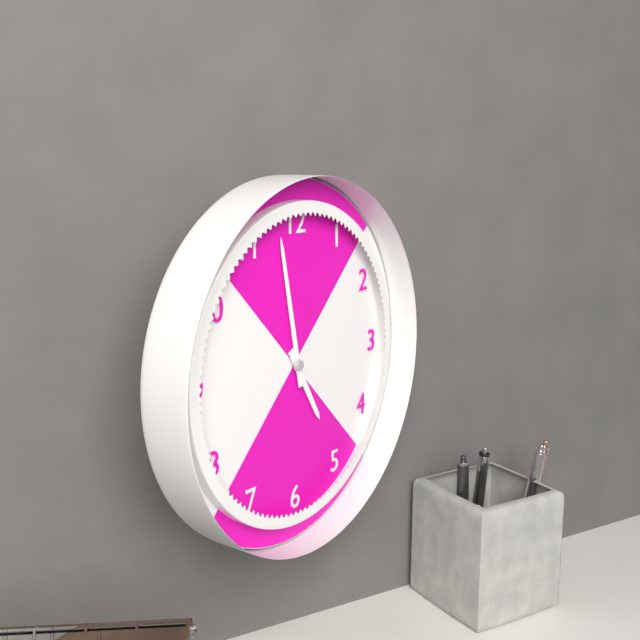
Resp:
**4:58**
